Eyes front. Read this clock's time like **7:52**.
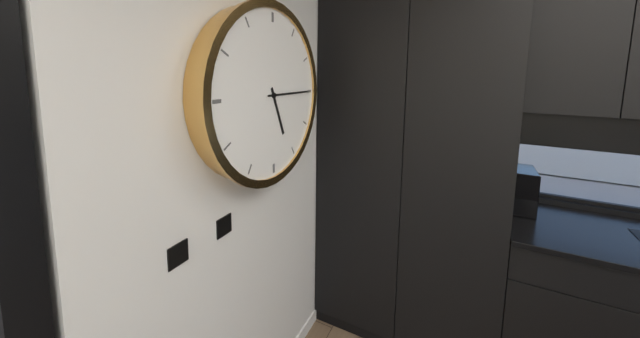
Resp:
**5:15**
